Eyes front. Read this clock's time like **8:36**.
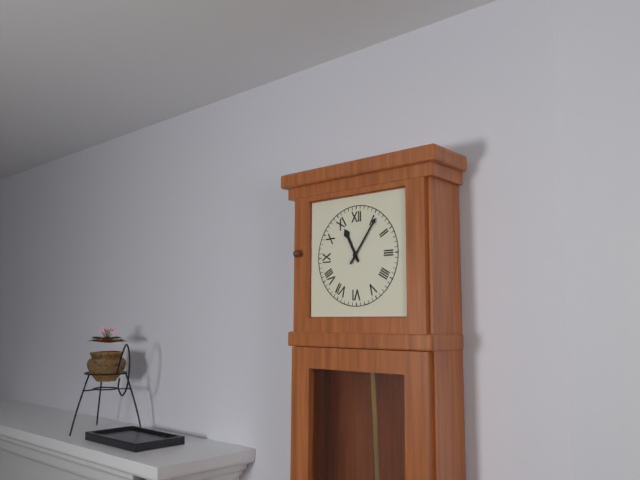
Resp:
**11:06**
